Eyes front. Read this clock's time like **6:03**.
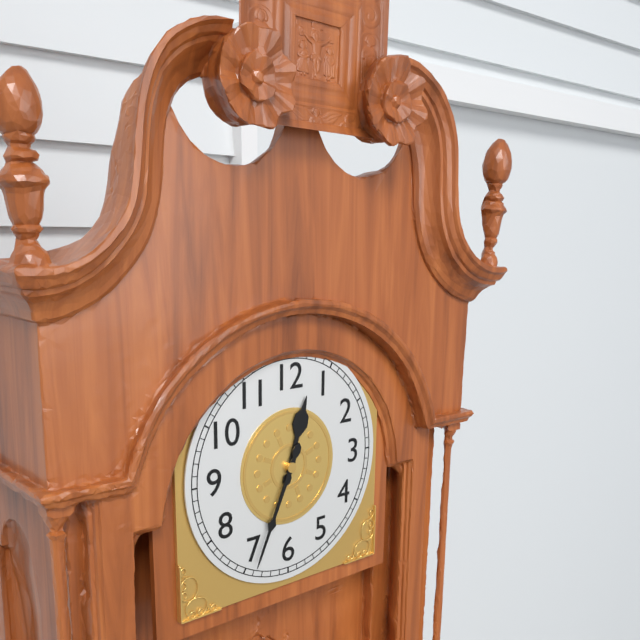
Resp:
**12:34**
